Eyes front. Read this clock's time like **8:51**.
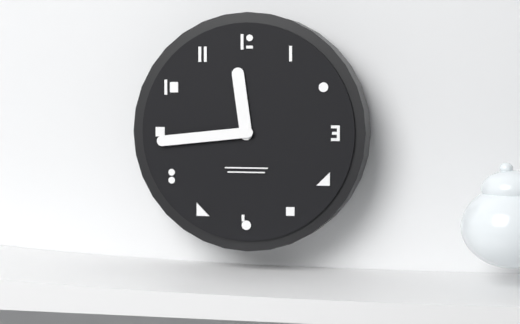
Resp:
**11:44**
